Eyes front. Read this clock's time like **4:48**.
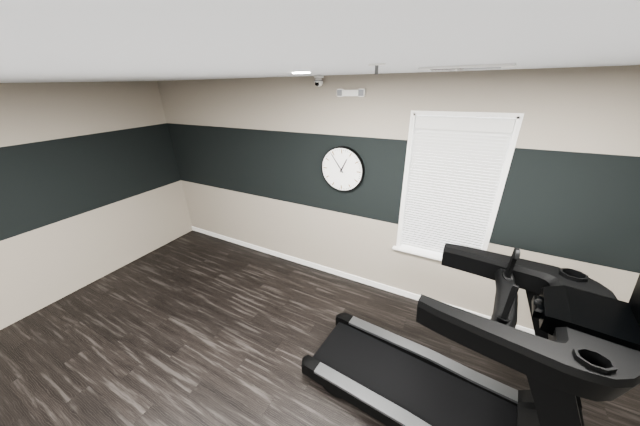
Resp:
**12:54**
